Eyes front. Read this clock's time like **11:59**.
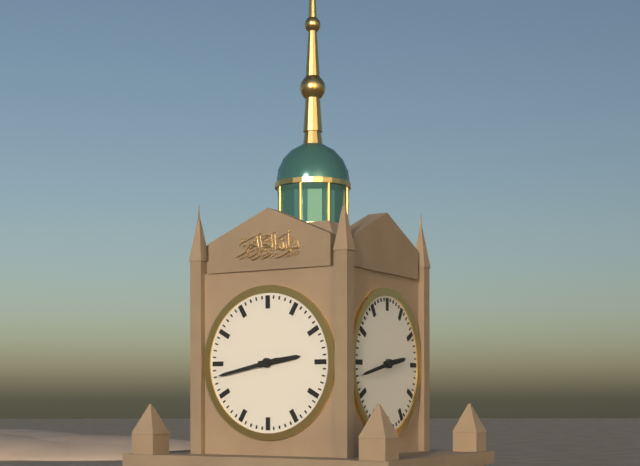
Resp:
**2:43**
